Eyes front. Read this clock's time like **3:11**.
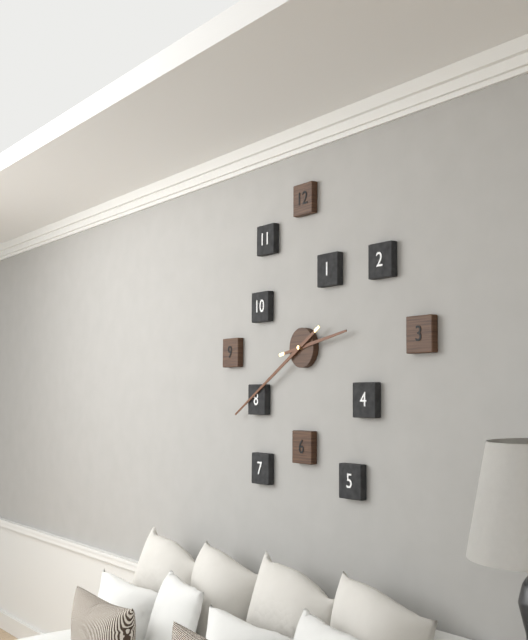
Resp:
**2:40**
